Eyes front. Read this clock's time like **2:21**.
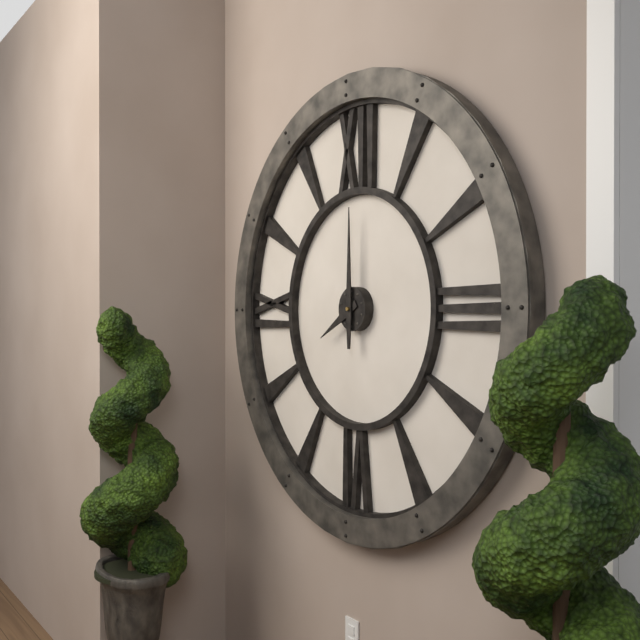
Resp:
**8:00**
